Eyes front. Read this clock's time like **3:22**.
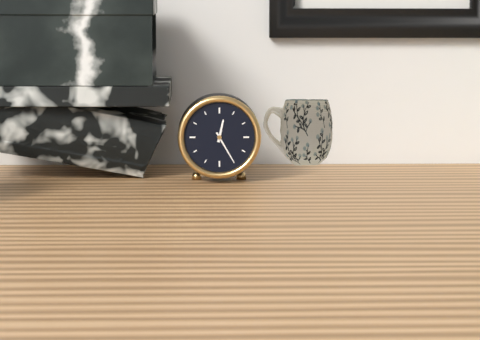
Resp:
**12:25**
